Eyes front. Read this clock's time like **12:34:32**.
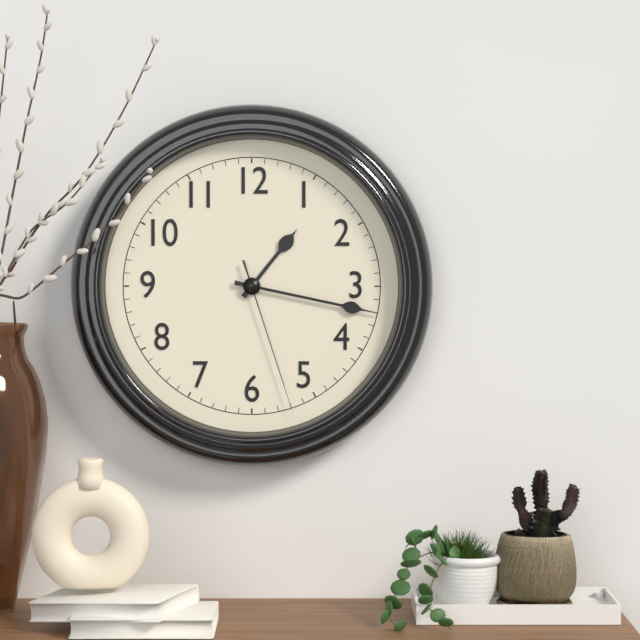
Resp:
**1:17:27**
